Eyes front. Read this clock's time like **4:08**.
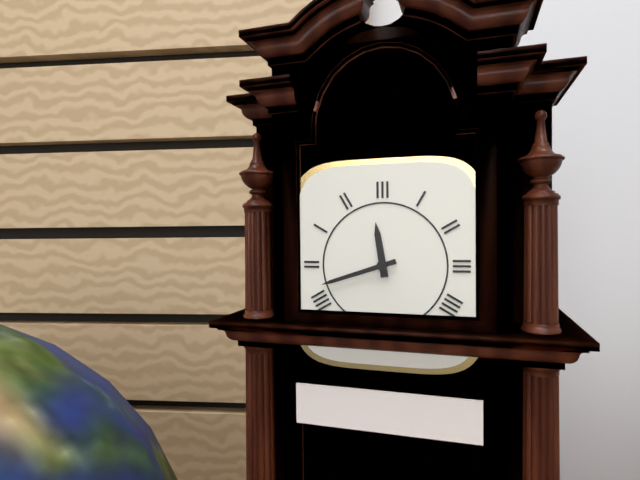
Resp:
**11:42**
